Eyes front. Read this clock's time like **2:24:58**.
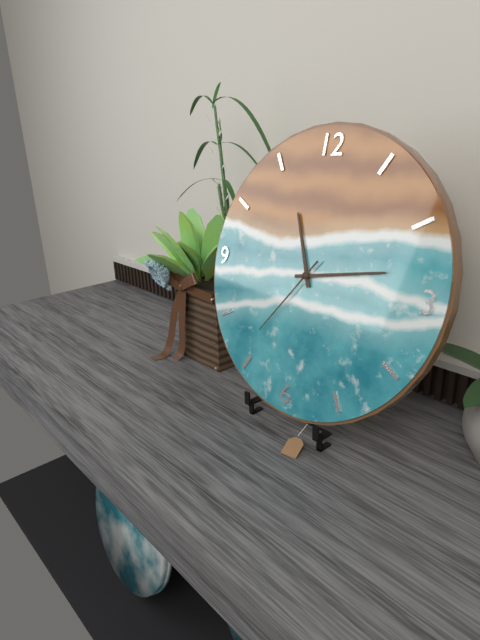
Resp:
**11:13:36**
